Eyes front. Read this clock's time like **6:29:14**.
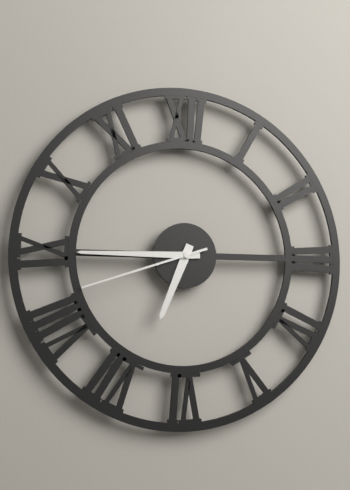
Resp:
**6:45:42**
